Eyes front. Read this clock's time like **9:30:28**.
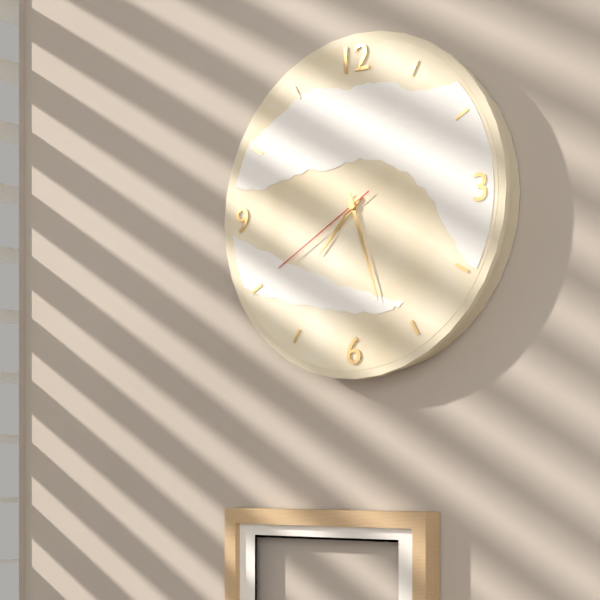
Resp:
**7:27:40**
